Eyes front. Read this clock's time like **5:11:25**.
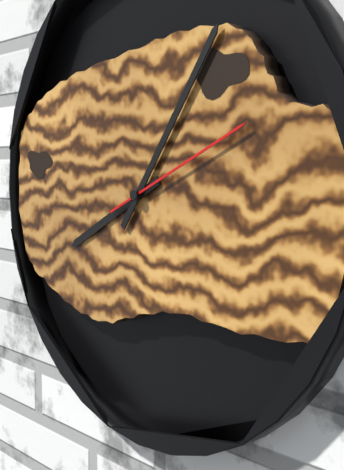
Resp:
**8:06:11**
